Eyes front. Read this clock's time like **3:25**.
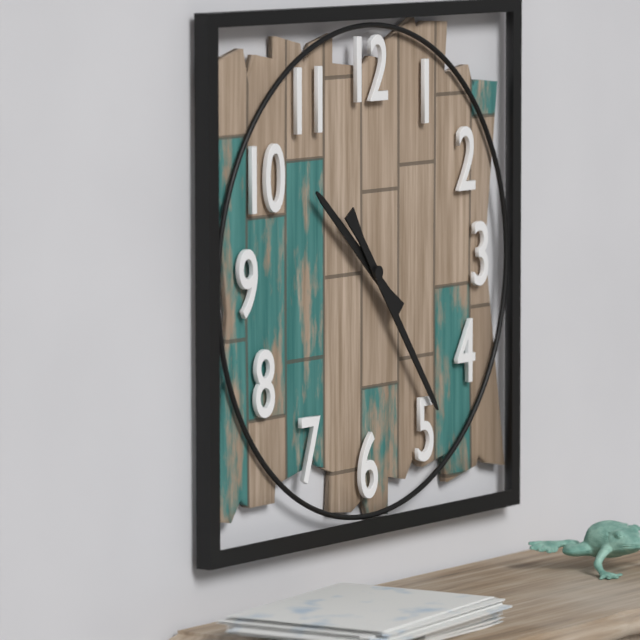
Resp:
**10:24**
